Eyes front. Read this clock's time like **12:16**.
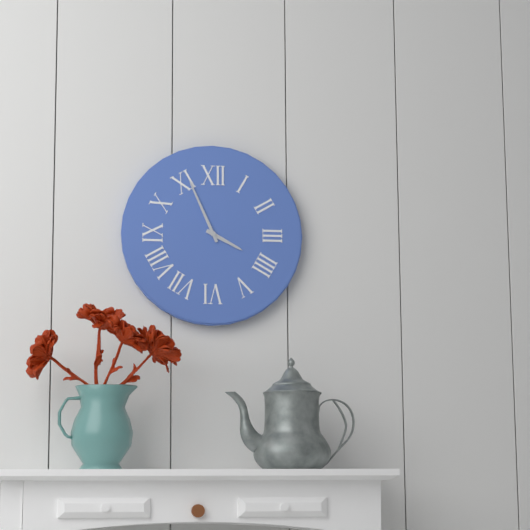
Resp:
**3:56**
